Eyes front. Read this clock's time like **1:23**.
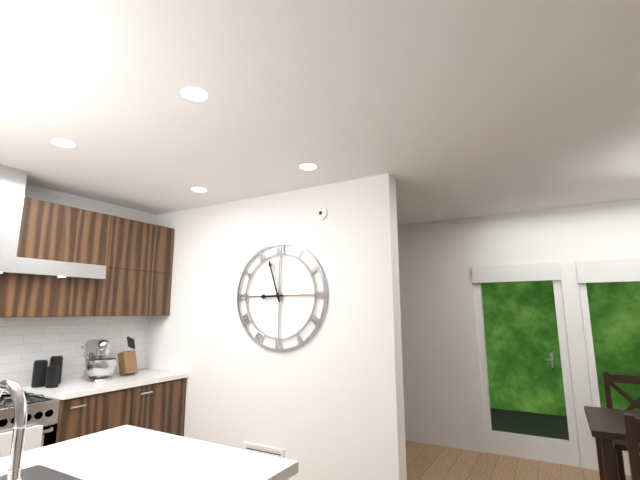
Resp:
**8:57**
